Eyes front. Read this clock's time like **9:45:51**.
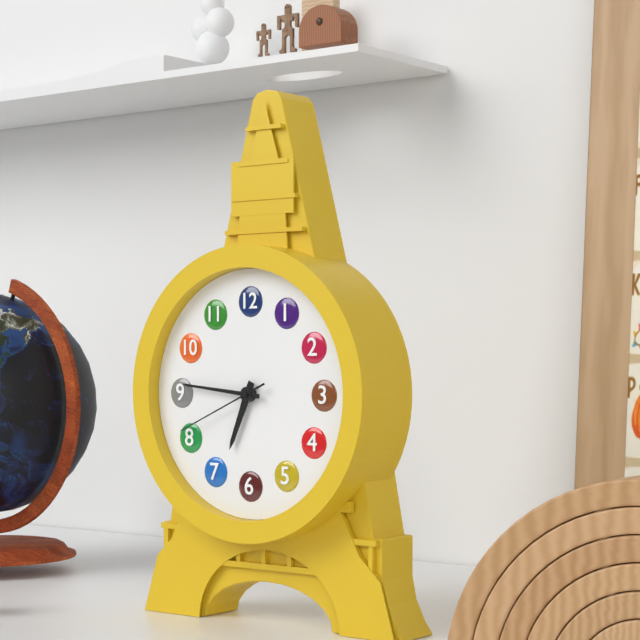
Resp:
**6:46:41**
